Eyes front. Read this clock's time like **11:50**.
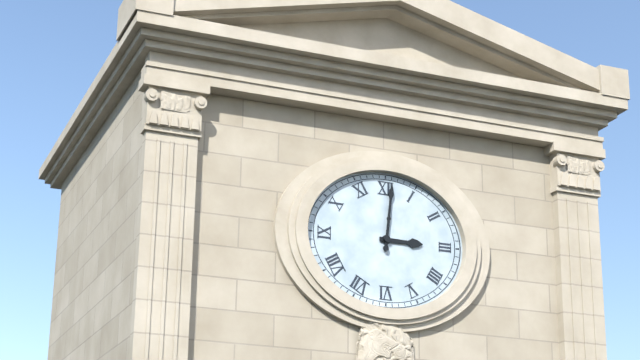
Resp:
**3:01**
